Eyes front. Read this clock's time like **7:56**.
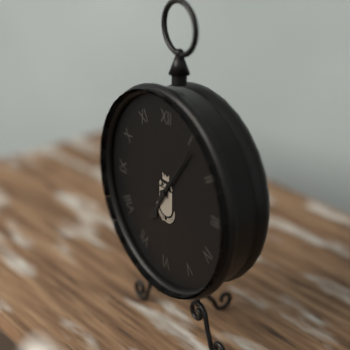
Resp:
**7:06**
